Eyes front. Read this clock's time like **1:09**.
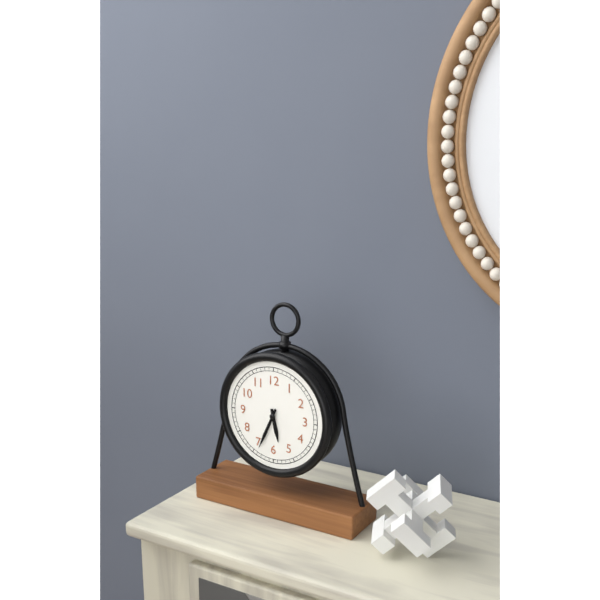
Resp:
**5:34**
